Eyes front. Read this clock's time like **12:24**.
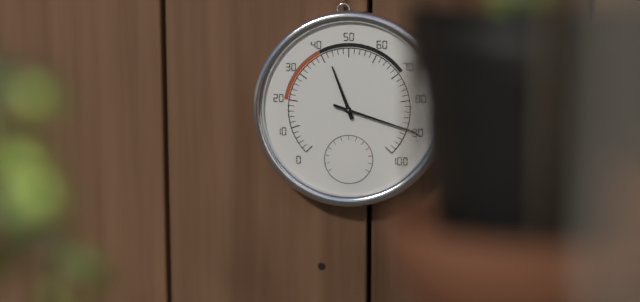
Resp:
**11:18**
